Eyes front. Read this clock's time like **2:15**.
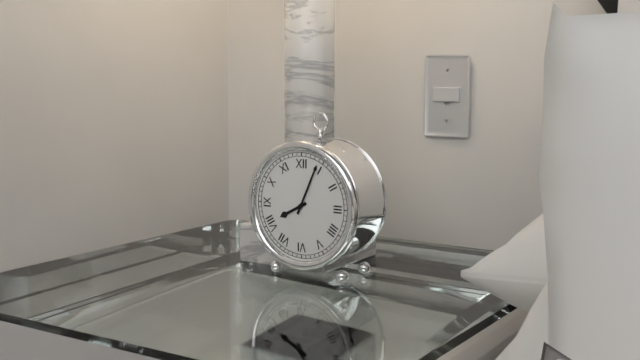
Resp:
**8:04**
